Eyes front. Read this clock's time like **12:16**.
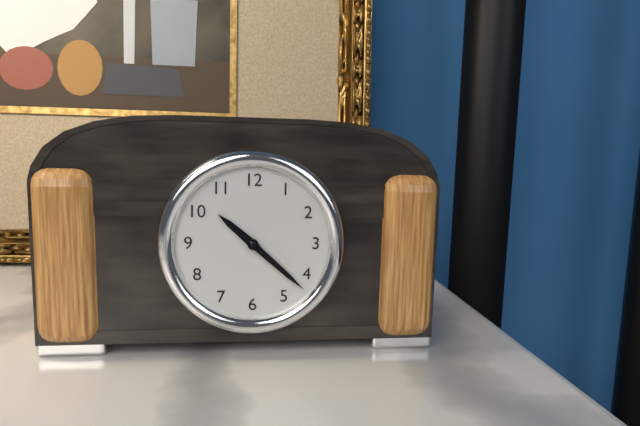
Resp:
**10:22**
